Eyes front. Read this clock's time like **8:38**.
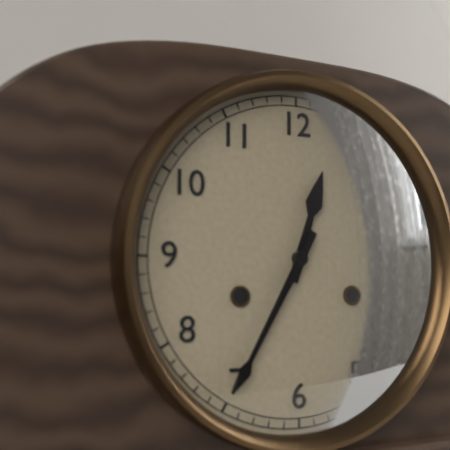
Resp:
**12:35**
